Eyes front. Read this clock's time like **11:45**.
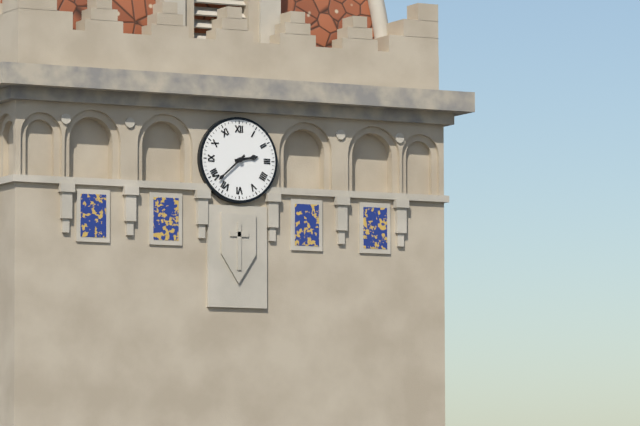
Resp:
**2:38**
